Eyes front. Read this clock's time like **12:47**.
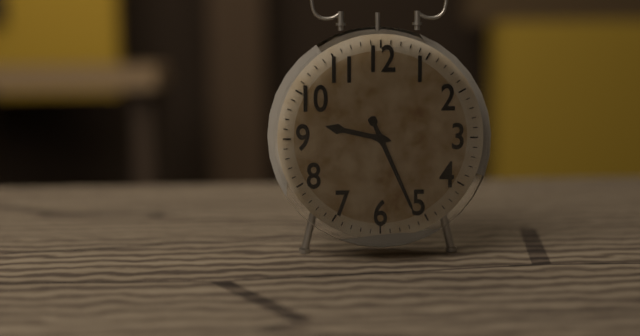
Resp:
**9:26**
